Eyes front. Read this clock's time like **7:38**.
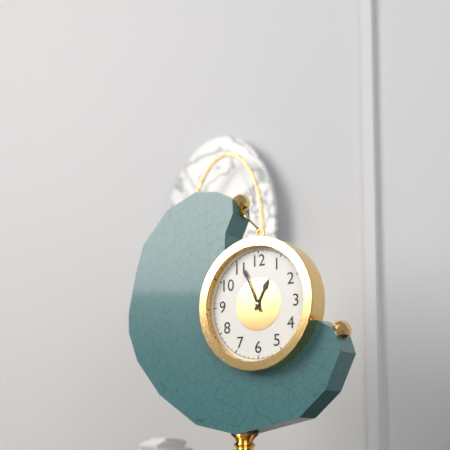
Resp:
**12:56**
